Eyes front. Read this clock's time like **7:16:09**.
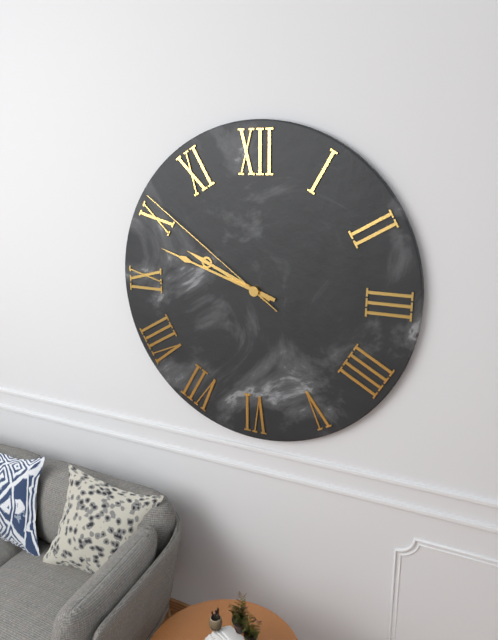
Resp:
**9:48:51**
